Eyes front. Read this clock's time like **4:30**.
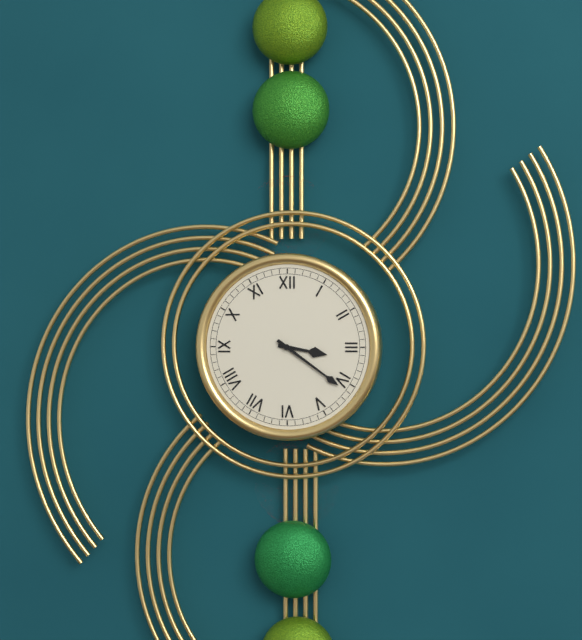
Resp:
**3:21**
